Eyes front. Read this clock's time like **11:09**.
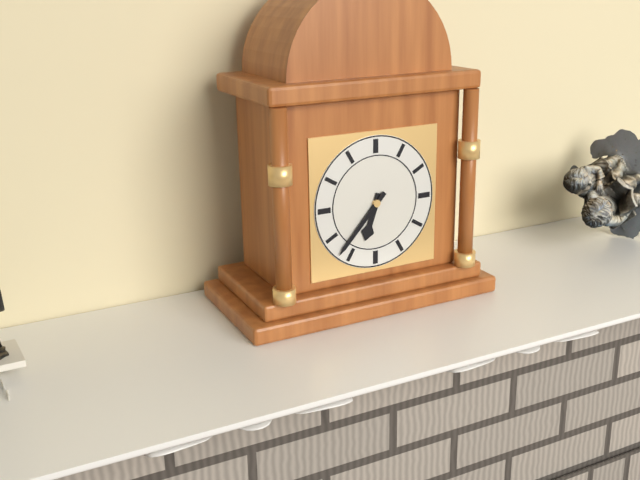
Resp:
**6:37**
